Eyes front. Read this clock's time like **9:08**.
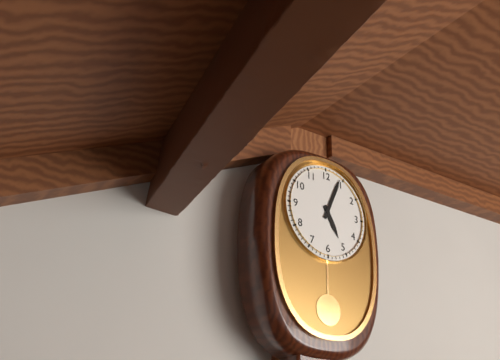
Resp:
**5:04**
